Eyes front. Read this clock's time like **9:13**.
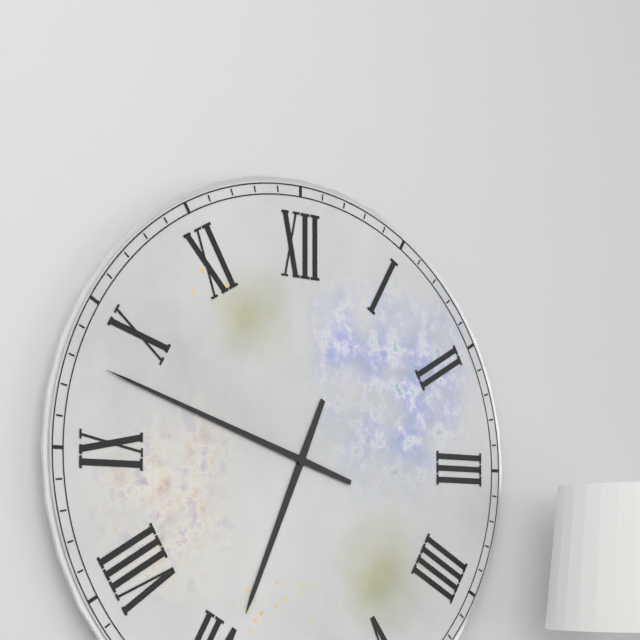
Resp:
**6:48**
